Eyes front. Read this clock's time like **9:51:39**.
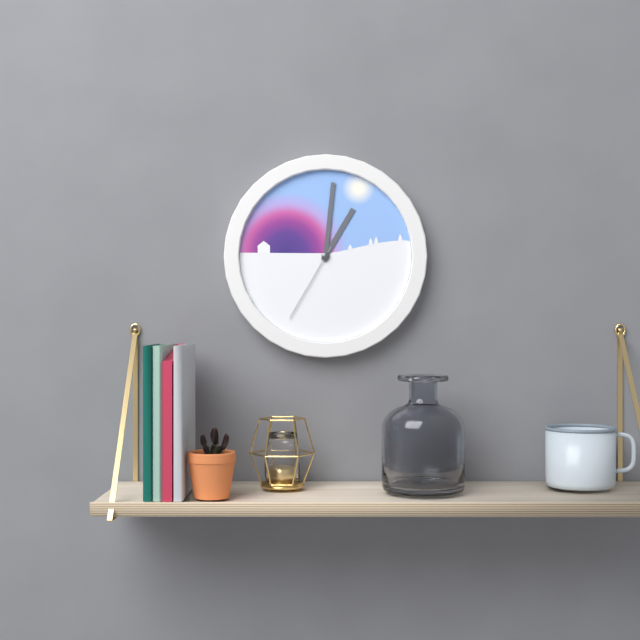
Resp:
**1:01:35**
